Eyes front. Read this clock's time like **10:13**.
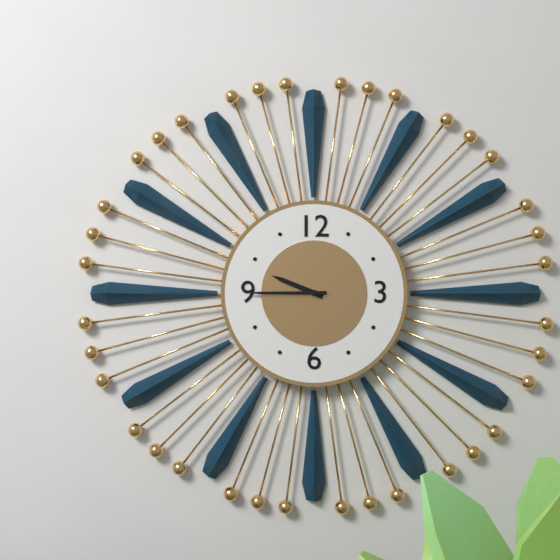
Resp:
**9:45**
